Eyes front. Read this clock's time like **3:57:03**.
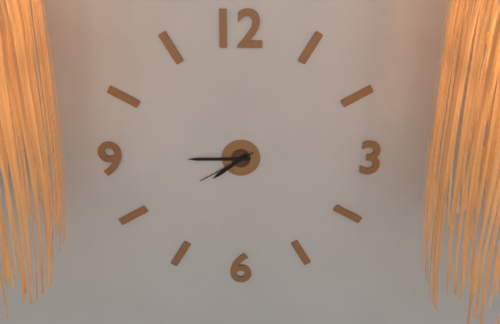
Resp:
**7:45:40**
